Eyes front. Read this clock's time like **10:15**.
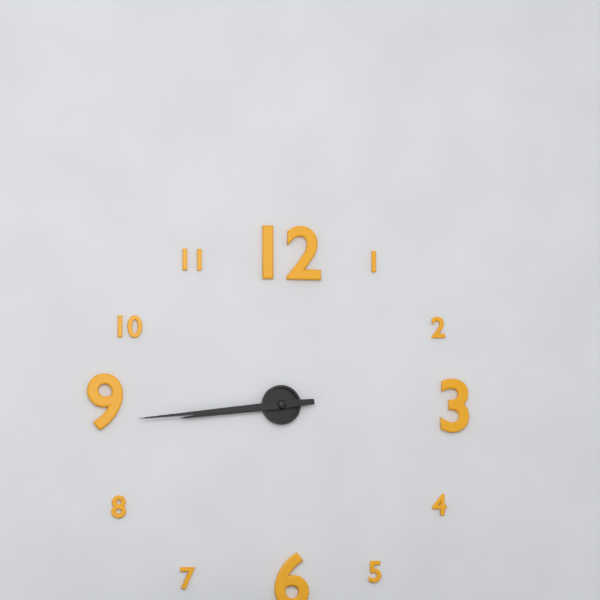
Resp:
**8:44**
